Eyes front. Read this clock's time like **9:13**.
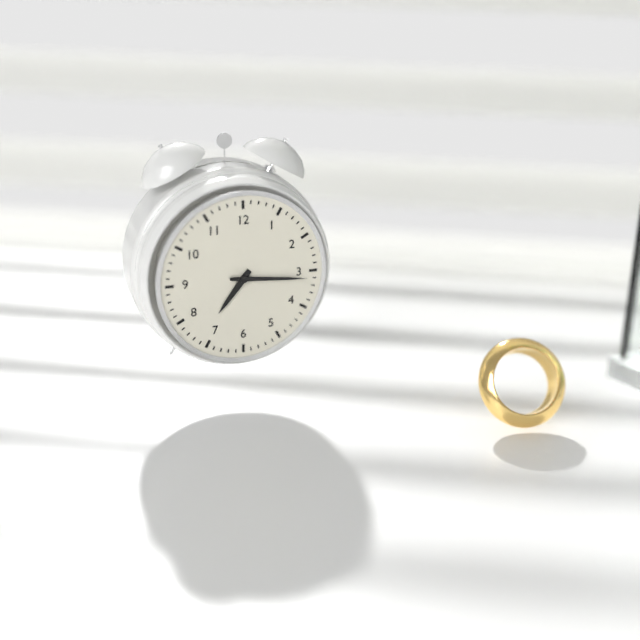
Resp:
**7:16**
